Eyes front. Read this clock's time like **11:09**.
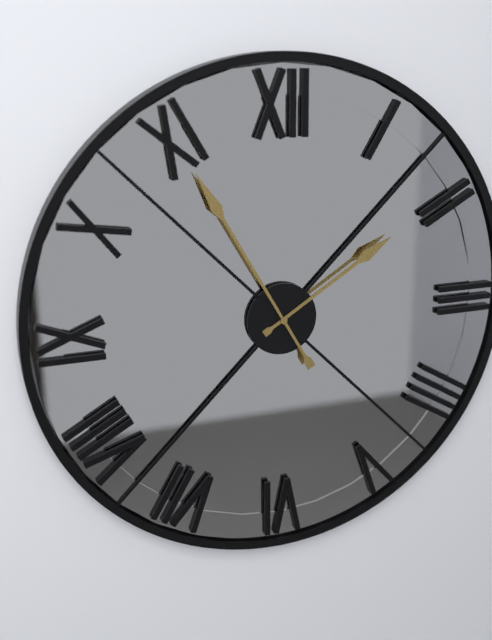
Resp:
**1:55**
